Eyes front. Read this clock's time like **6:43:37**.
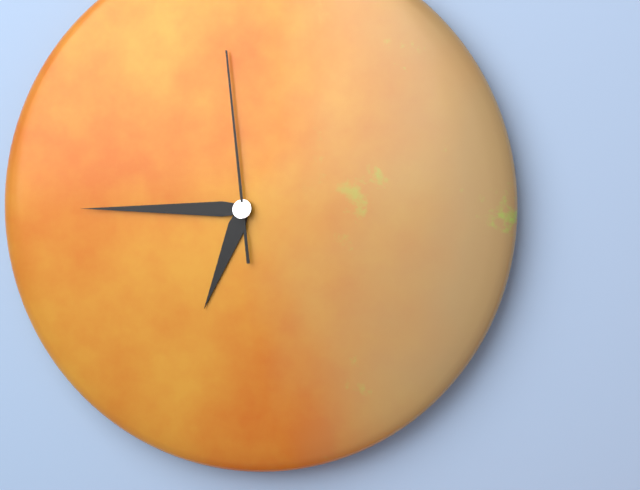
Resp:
**6:45:59**
